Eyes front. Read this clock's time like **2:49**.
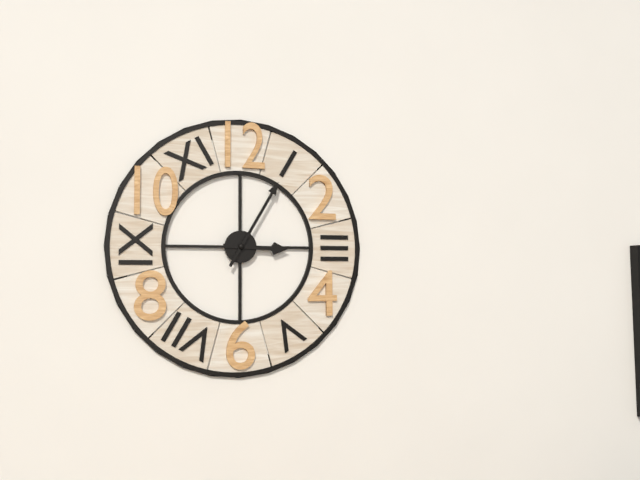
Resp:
**3:05**
